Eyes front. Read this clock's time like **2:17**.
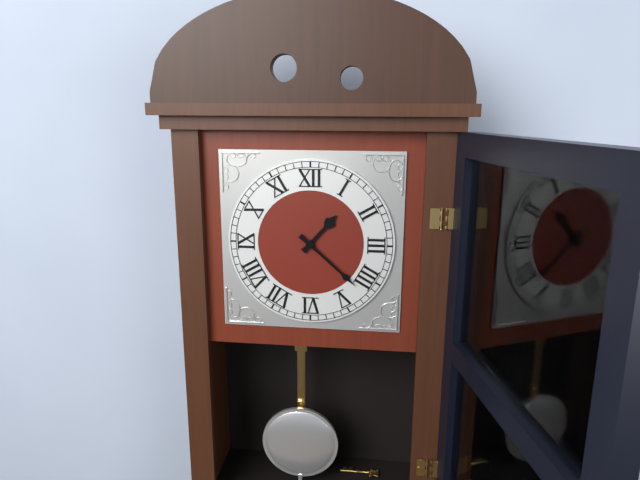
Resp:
**1:22**
